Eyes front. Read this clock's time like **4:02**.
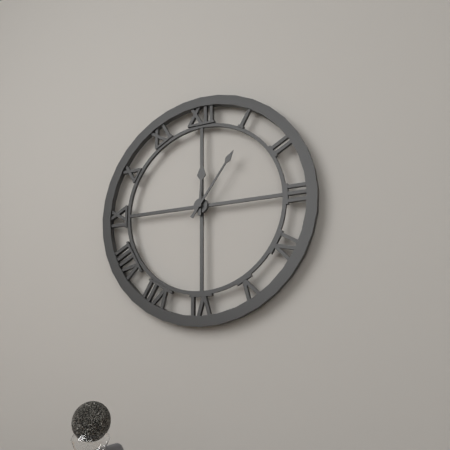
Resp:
**12:06**
